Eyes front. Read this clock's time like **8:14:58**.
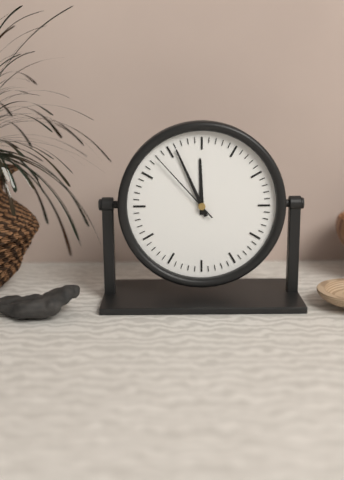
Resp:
**11:56:53**
